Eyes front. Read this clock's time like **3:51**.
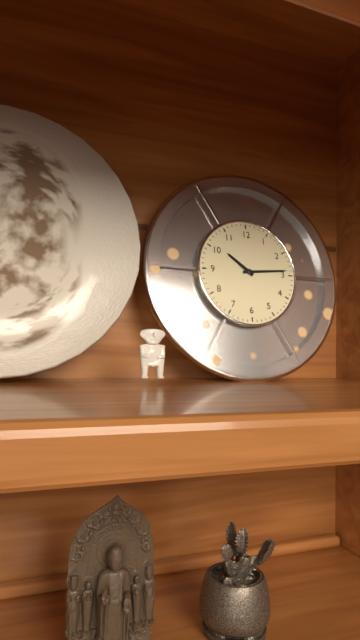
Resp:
**10:14**
